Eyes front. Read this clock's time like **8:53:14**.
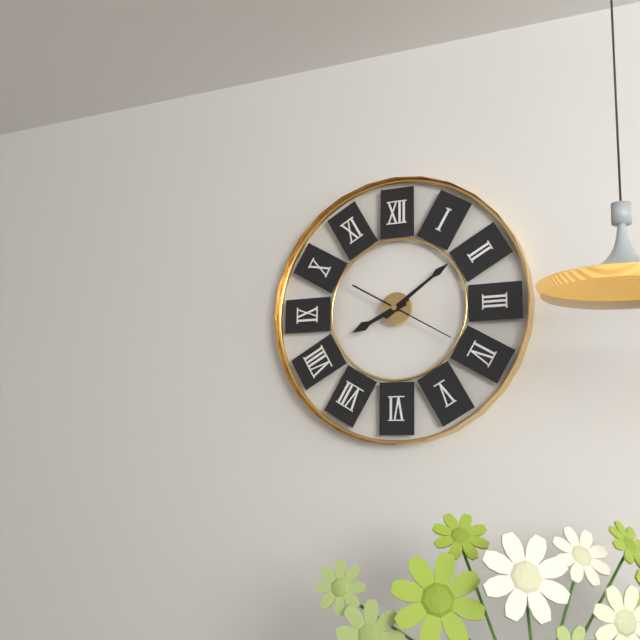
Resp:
**8:09:20**
